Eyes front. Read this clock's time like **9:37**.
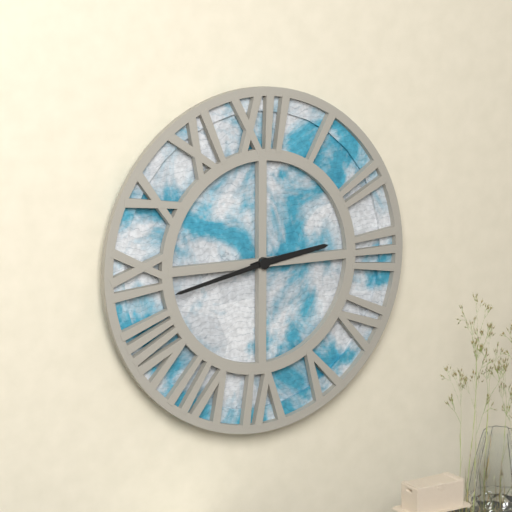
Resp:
**2:43**
